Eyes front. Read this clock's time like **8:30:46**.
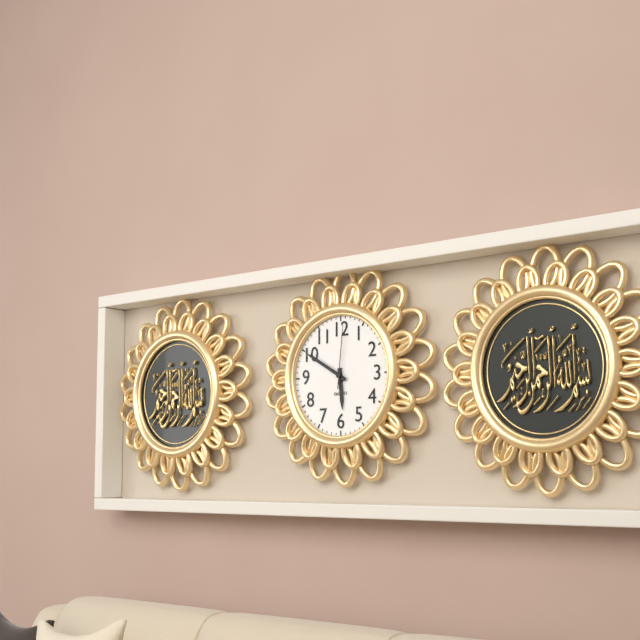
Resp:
**5:50:01**
